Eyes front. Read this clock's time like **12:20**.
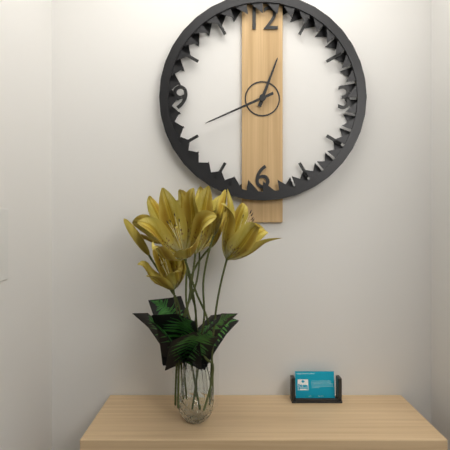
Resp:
**12:41**
